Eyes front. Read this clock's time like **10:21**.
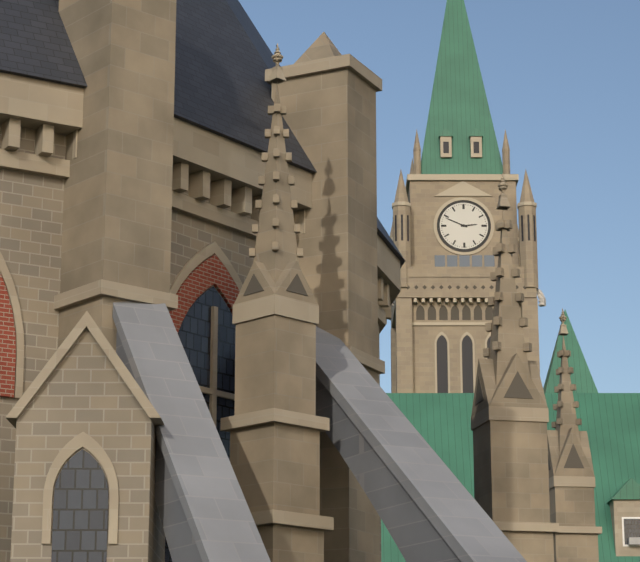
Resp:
**2:49**
